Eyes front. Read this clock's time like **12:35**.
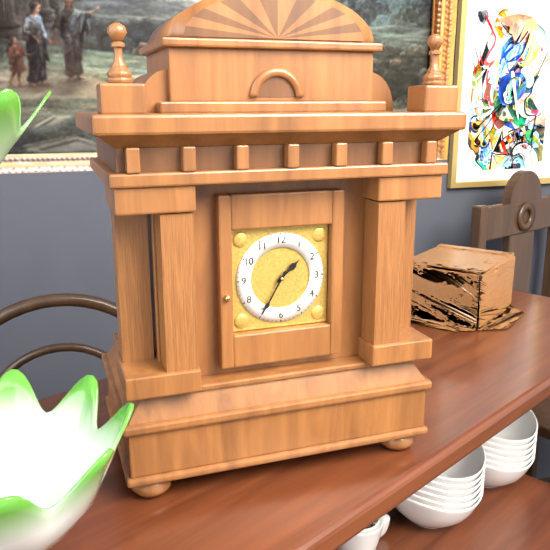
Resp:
**1:35**
